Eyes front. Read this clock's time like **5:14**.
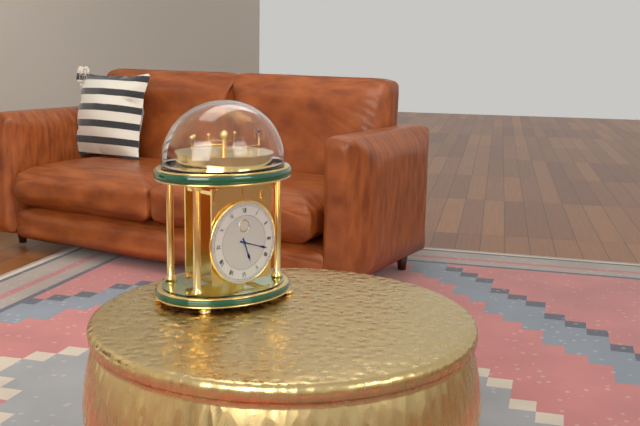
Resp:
**5:18**
